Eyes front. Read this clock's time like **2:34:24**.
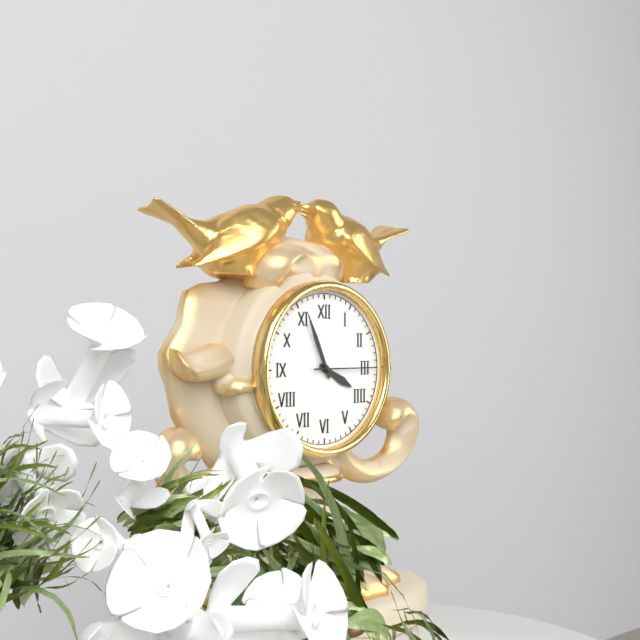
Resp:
**3:56:15**
